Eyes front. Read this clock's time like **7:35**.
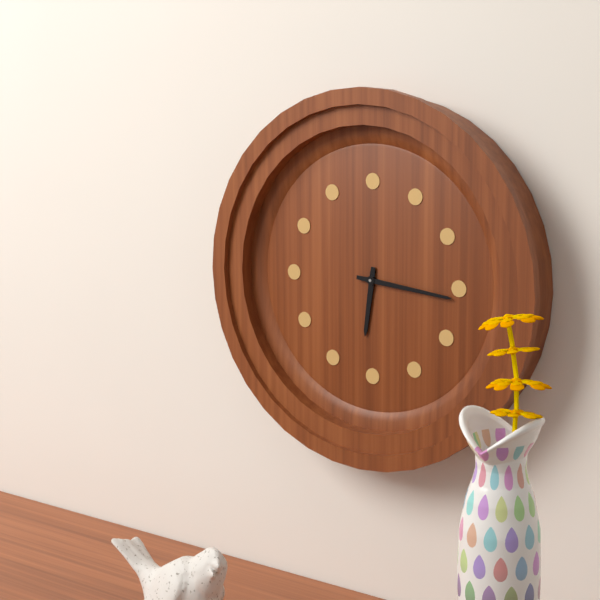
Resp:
**6:16**
